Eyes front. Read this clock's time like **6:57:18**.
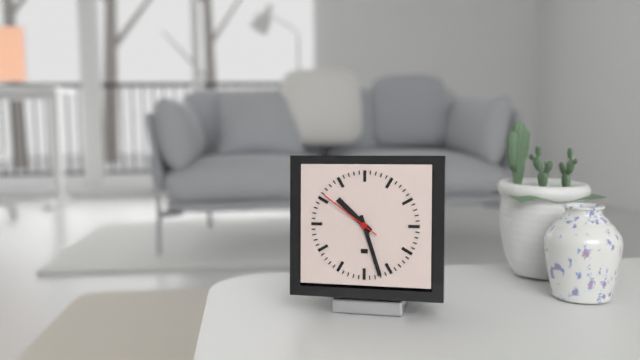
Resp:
**10:27:51**
